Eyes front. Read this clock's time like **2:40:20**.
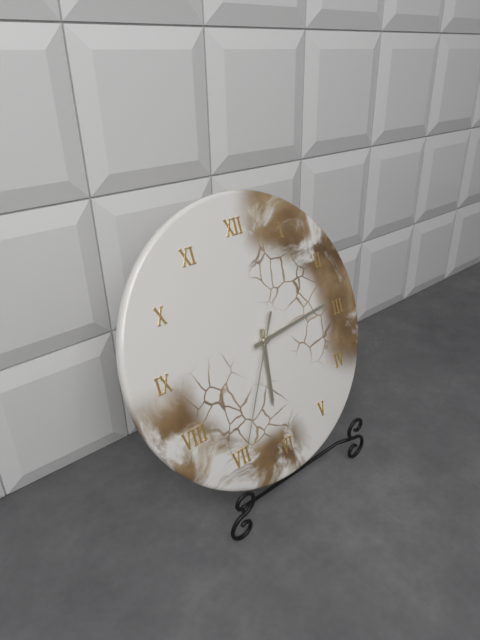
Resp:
**6:14:35**
